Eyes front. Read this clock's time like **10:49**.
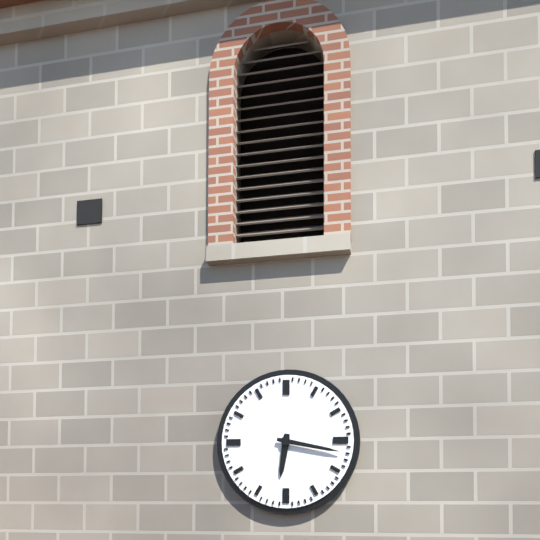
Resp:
**6:17**
